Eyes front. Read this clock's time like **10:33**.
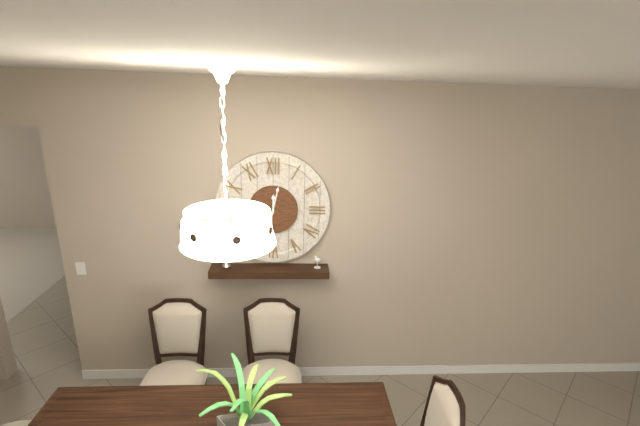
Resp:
**12:02**
